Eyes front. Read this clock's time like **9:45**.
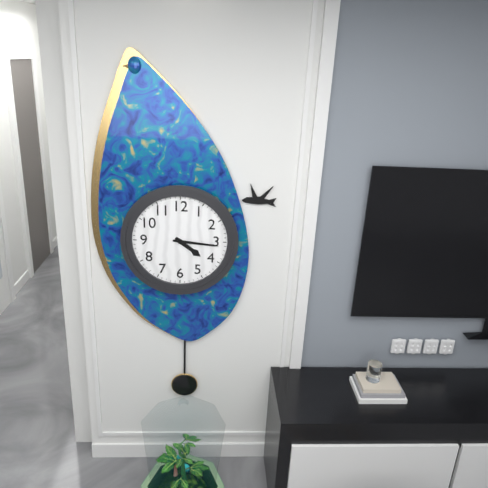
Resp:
**4:16**
